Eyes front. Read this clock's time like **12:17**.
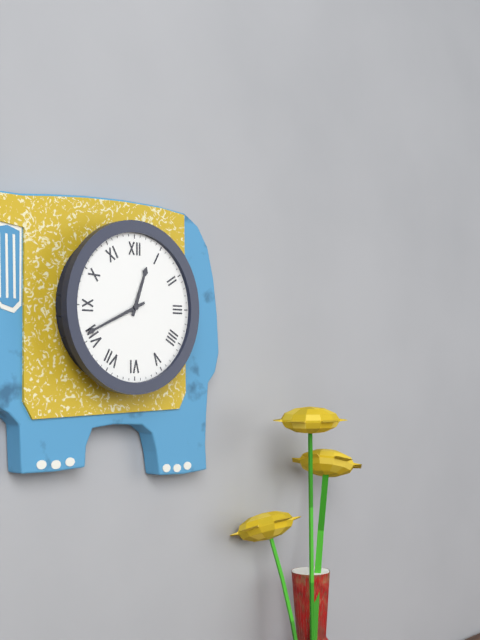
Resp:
**12:41**
